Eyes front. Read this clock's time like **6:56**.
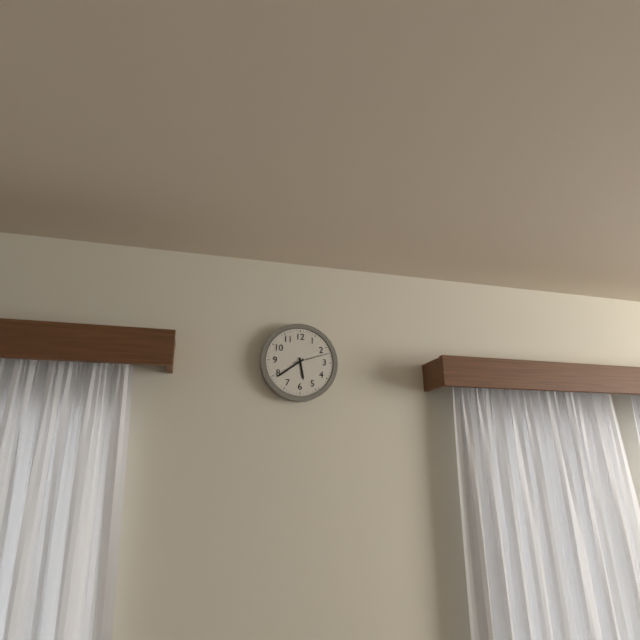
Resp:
**5:39**
